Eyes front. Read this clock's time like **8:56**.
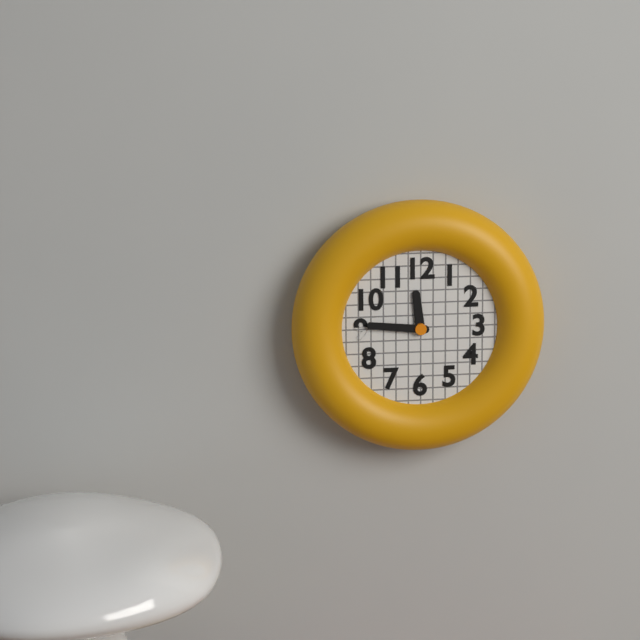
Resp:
**11:46**
